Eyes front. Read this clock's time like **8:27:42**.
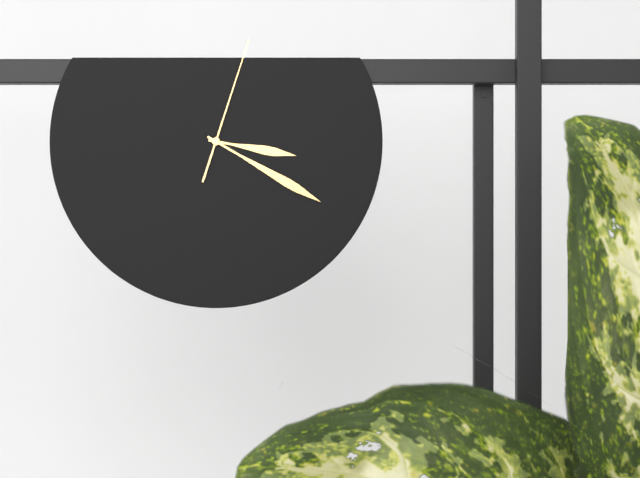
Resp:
**3:20:03**
